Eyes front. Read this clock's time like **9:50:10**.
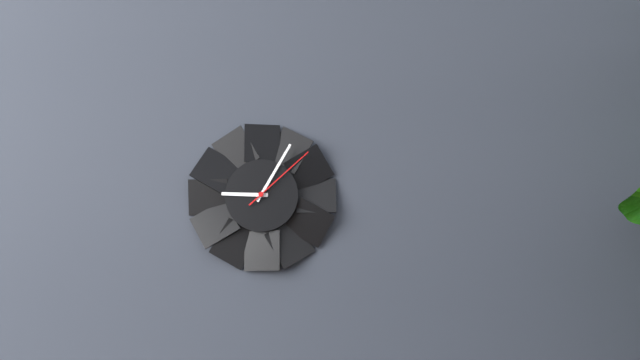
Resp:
**9:05:08**
